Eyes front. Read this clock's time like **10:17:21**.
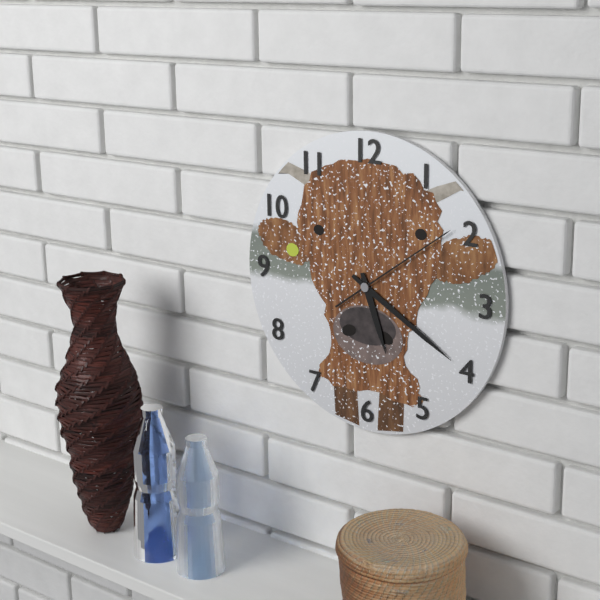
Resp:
**5:20:09**
